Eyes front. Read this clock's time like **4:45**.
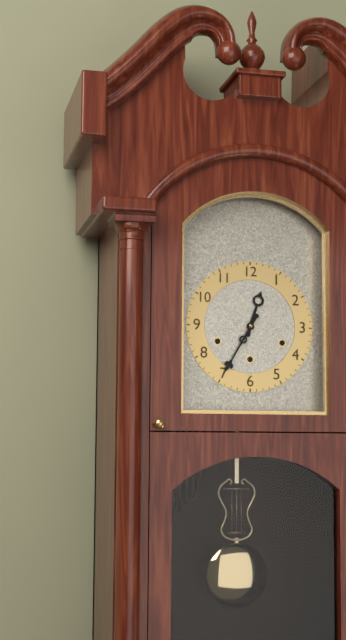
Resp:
**12:35**
